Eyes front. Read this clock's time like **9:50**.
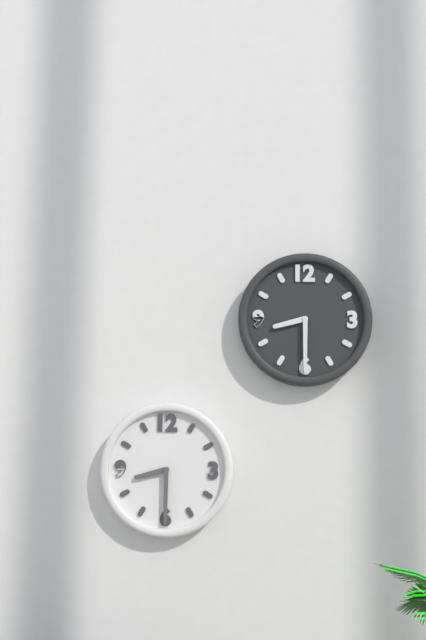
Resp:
**8:30**
